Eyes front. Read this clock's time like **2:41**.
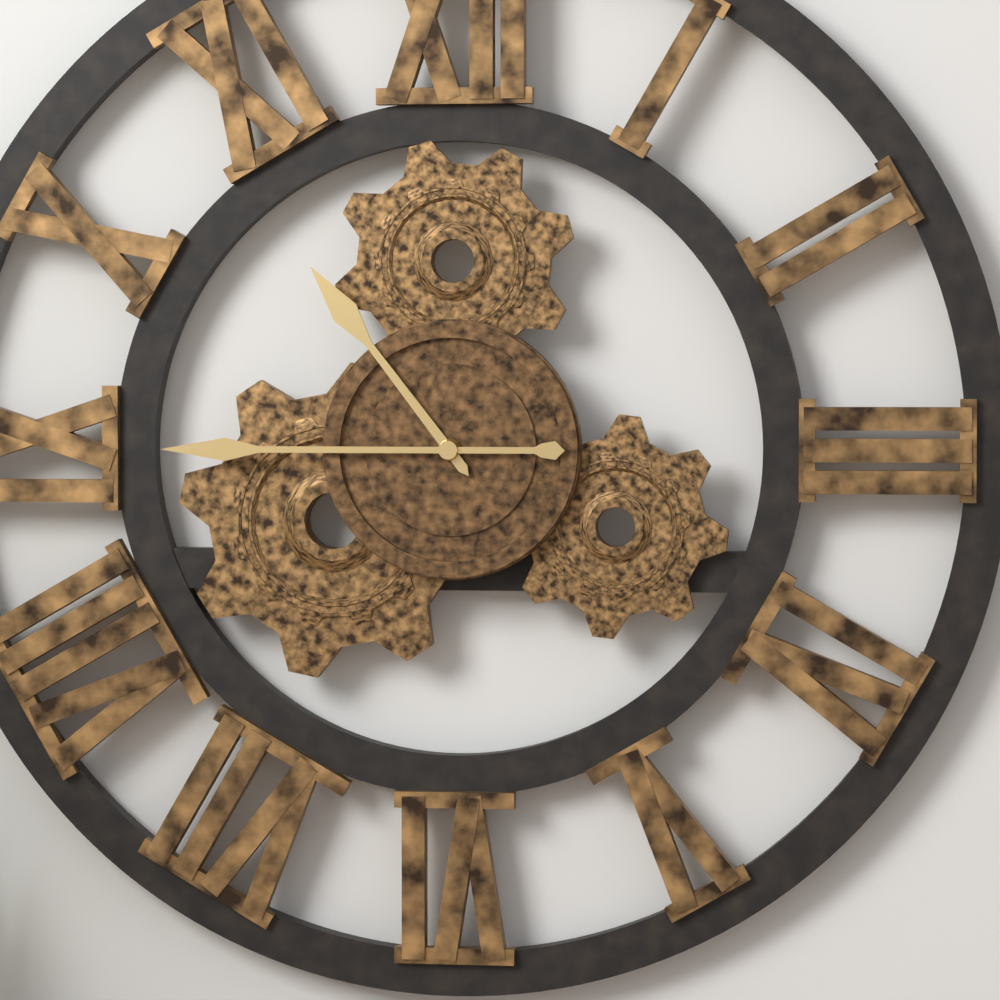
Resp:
**10:45**
